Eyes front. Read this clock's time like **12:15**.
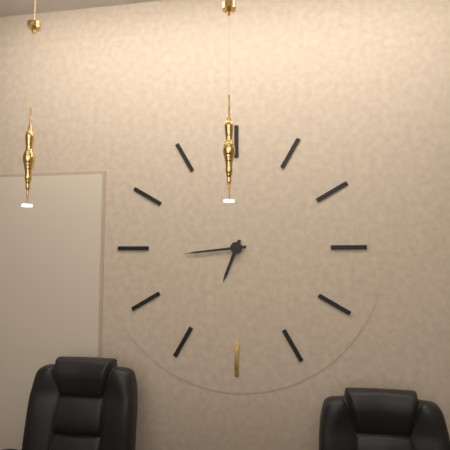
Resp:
**6:44**
